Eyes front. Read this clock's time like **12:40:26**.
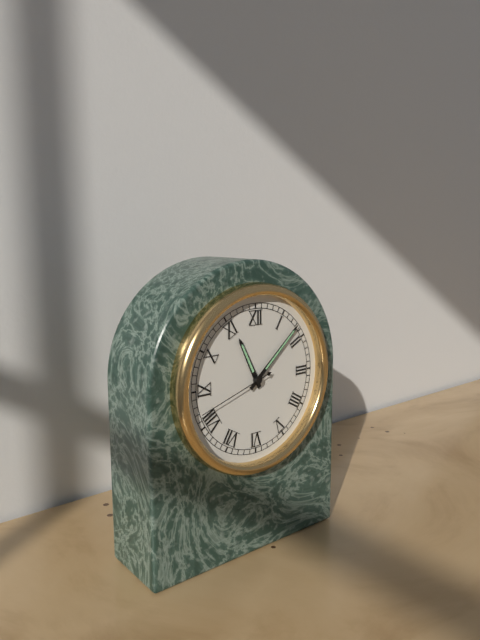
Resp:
**11:08:42**
